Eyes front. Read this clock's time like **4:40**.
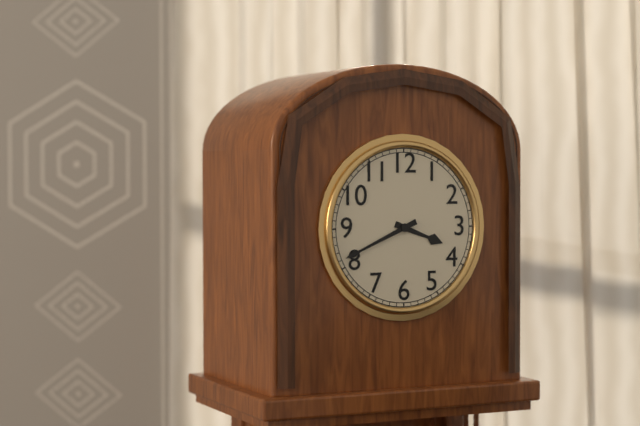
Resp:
**3:41**
